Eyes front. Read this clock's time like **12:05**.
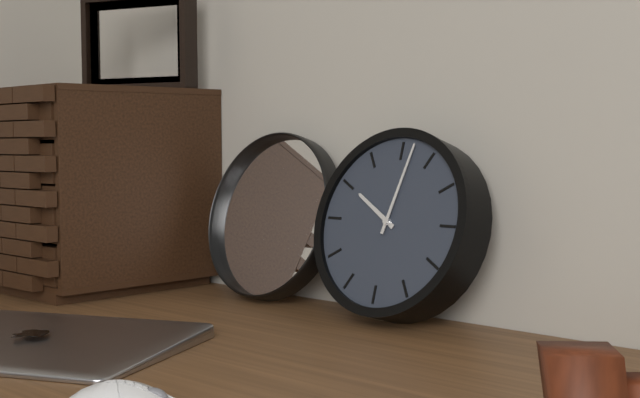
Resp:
**10:02**
